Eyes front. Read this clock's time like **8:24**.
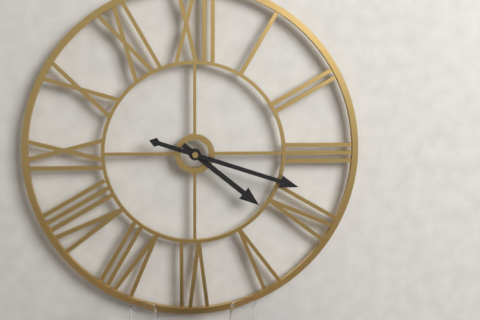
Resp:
**4:18**
